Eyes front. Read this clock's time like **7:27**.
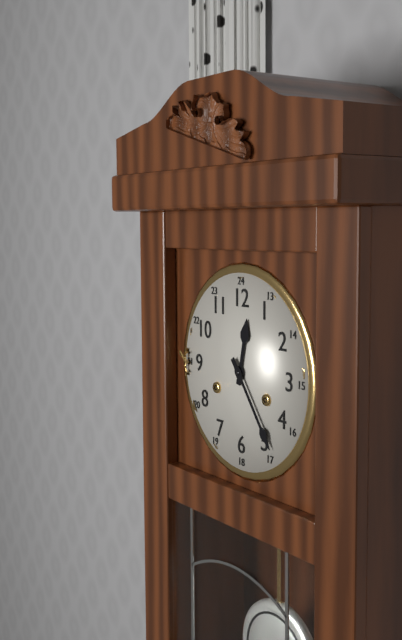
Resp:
**12:24**
